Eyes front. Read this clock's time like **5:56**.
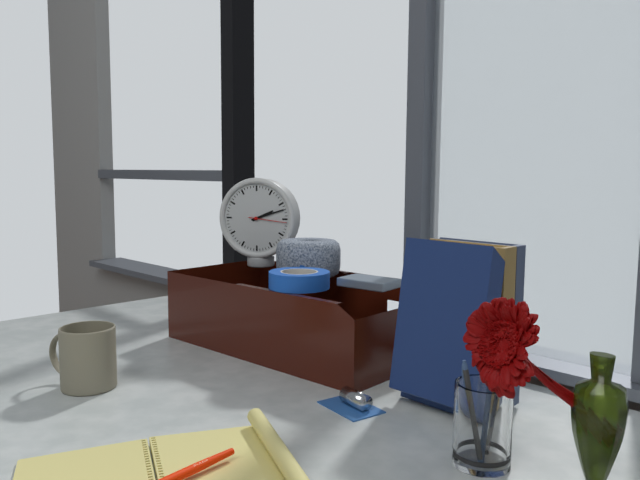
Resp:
**2:12**
